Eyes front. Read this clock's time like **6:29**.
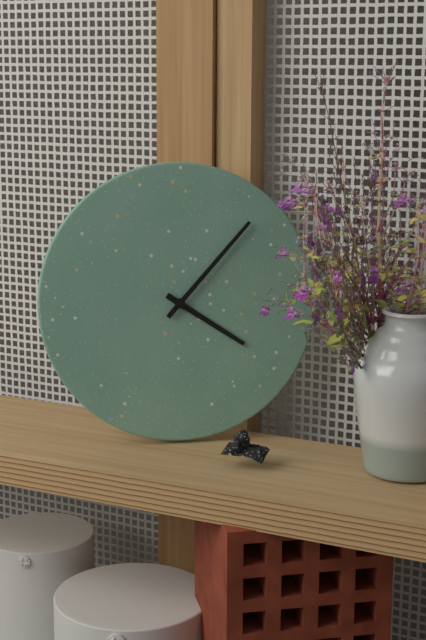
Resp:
**4:07**
